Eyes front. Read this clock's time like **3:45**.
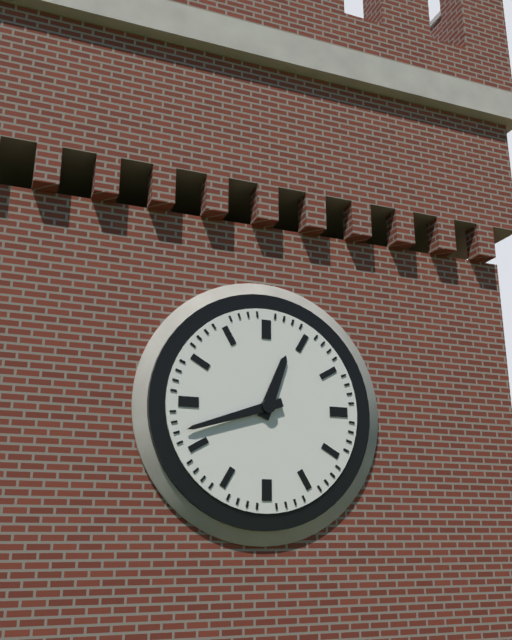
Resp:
**12:42**
